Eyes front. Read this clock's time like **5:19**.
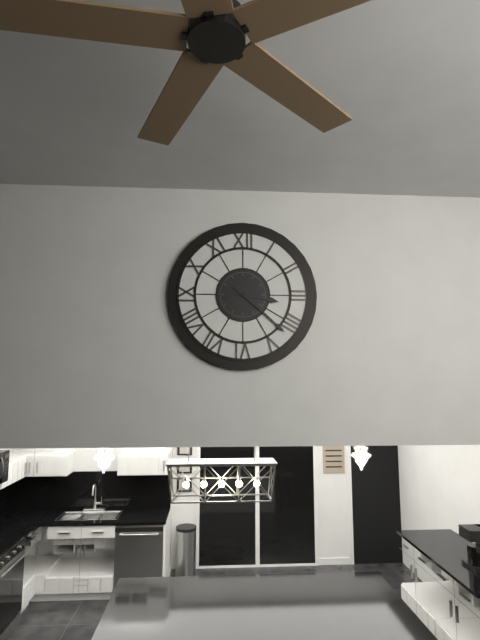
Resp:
**3:22**
